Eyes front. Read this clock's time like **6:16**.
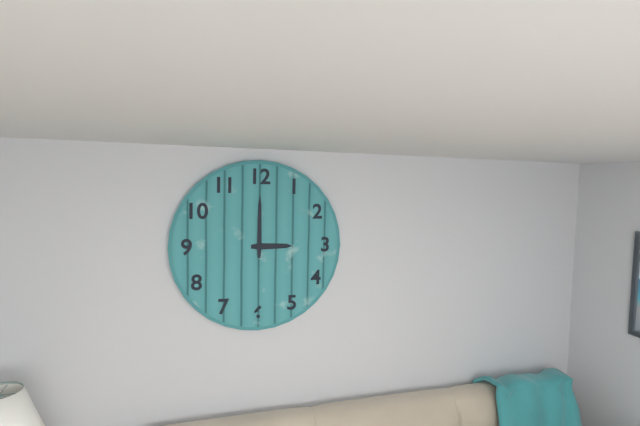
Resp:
**3:00**
